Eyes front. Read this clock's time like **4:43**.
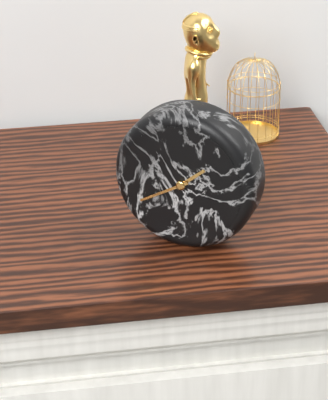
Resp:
**1:40**
